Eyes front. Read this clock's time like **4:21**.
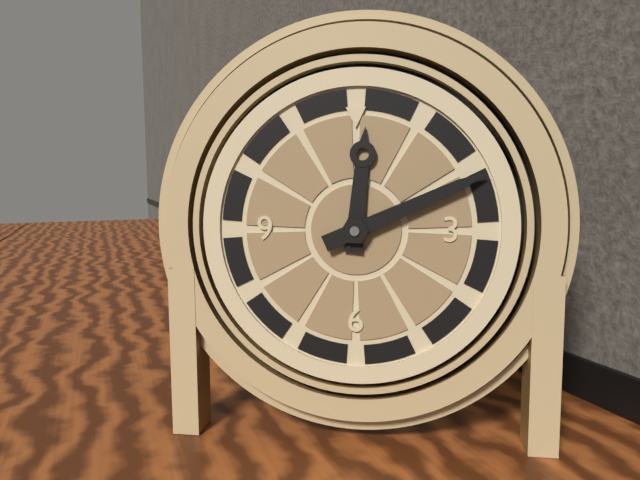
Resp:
**12:11**
